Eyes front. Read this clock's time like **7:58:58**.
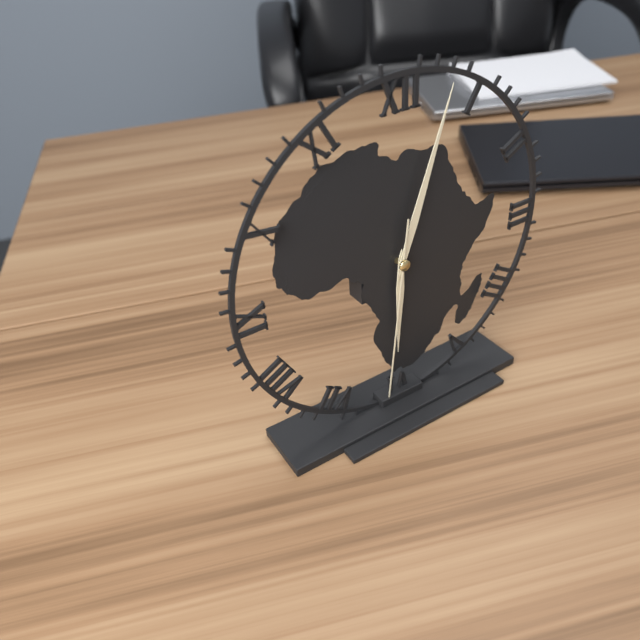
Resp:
**6:03:31**
